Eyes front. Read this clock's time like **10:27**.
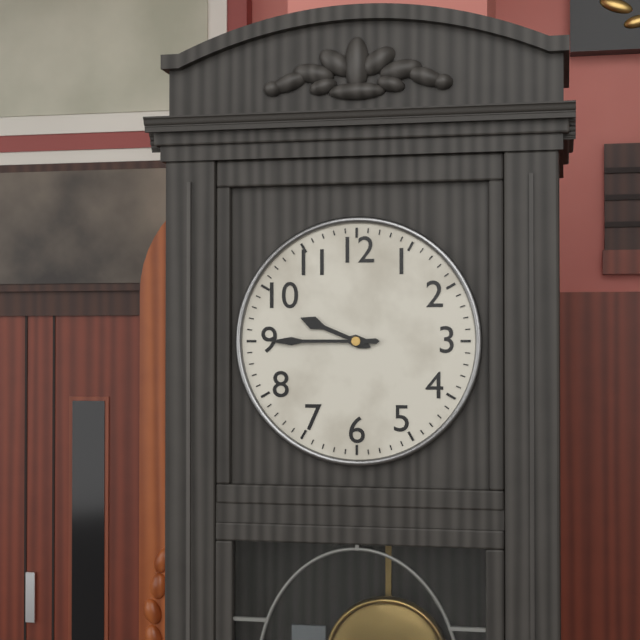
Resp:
**9:45**
